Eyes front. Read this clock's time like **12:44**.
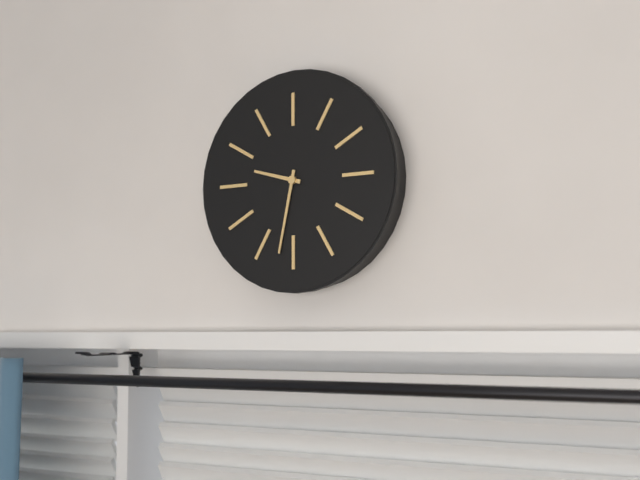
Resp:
**9:32**
